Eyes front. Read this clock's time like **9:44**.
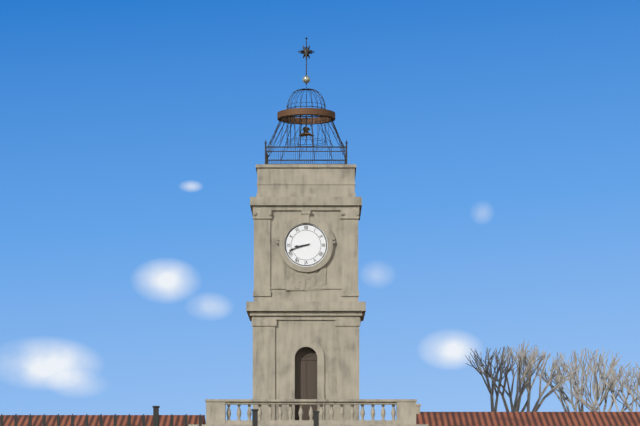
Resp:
**8:42**
